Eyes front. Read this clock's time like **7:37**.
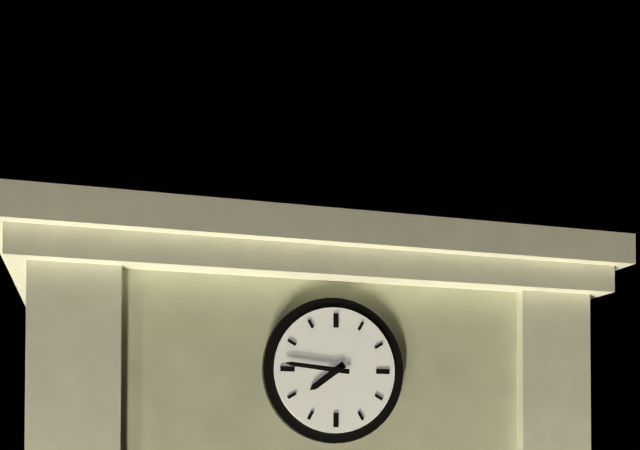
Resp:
**7:46**
